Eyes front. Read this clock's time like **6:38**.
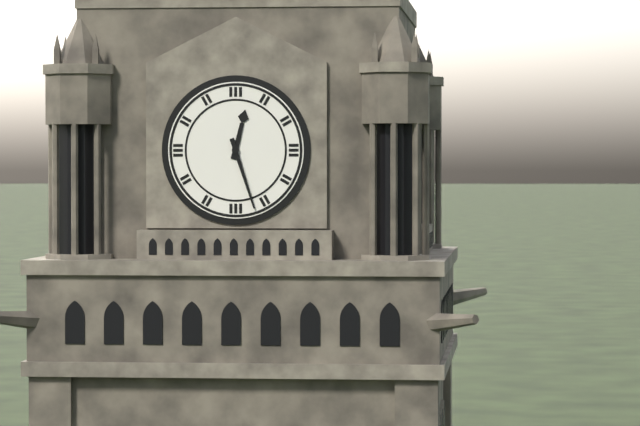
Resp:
**12:27**
